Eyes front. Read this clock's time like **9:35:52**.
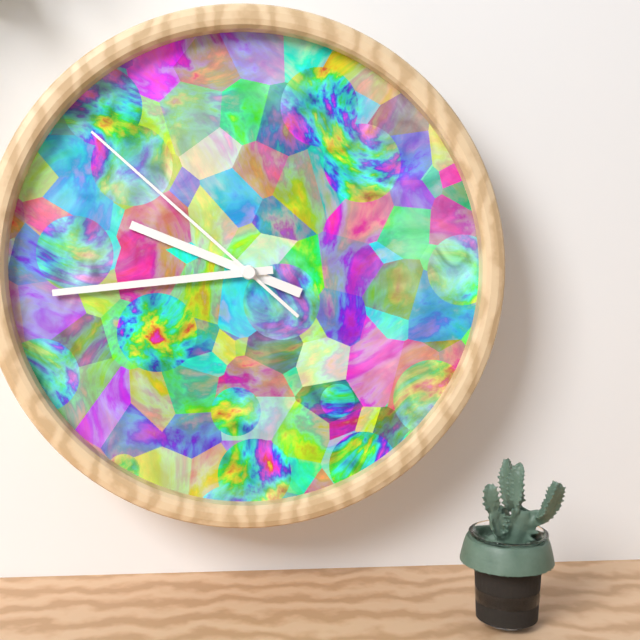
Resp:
**9:44:52**
